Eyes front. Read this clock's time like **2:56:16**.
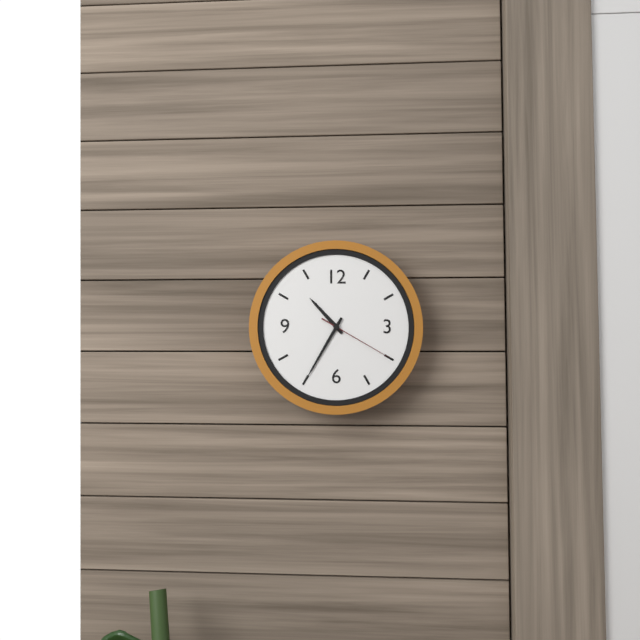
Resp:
**10:35:20**
